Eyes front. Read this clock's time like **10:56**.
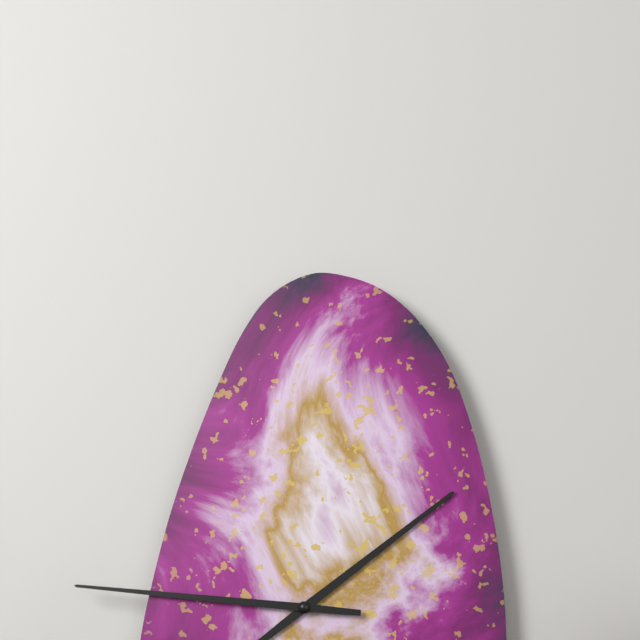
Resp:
**1:46**
